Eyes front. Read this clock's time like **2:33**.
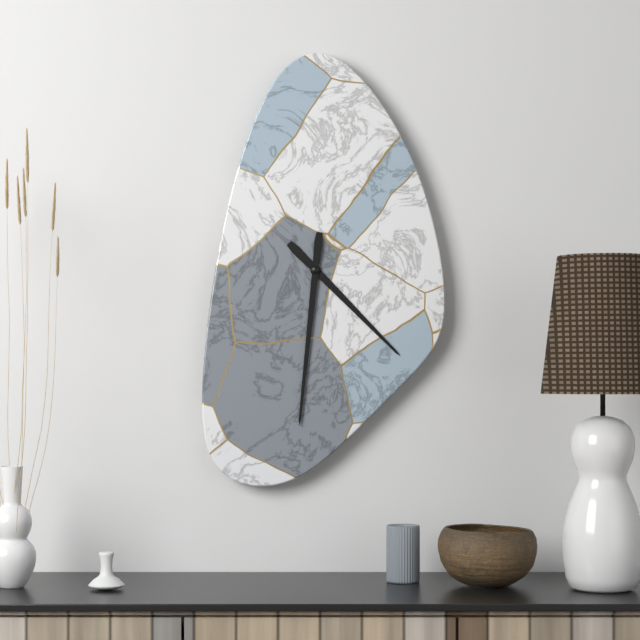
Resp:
**4:31**
